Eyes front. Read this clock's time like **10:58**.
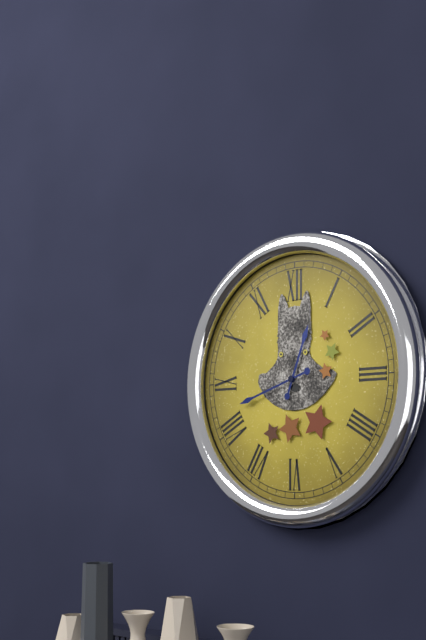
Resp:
**12:42**
